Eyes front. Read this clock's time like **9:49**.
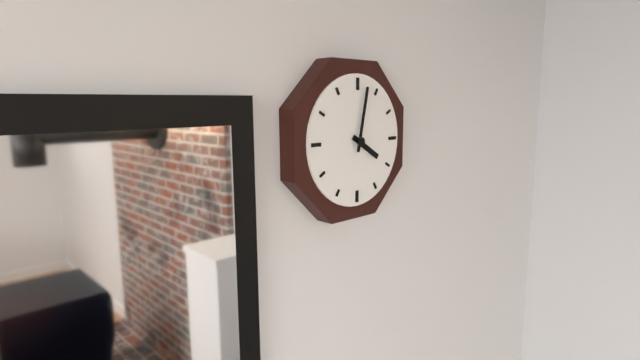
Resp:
**4:02**
